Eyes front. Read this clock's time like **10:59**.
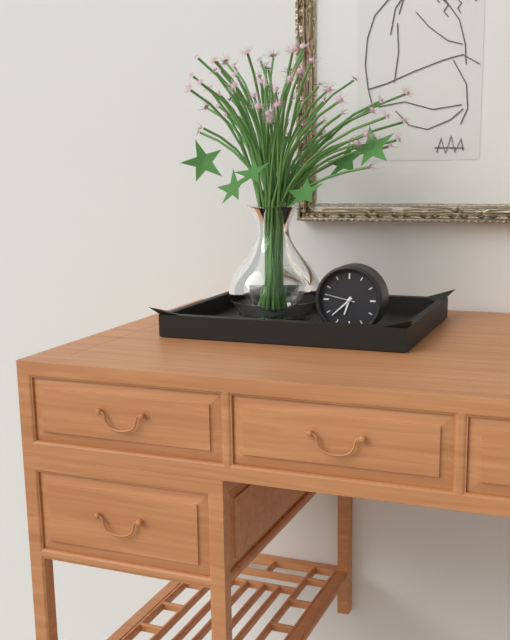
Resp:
**6:38**
